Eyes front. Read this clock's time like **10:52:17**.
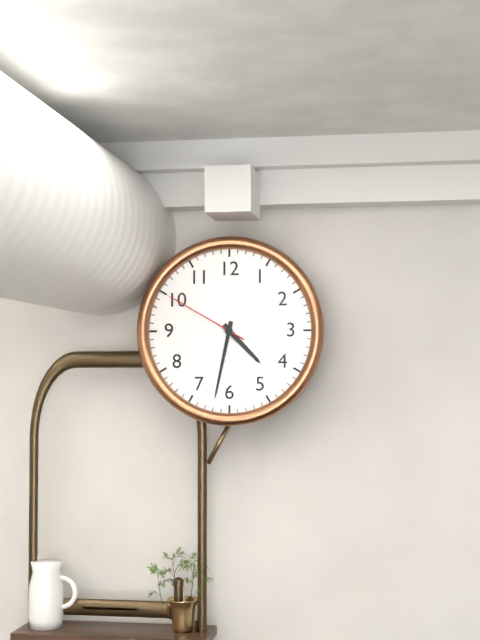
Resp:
**4:32:50**
